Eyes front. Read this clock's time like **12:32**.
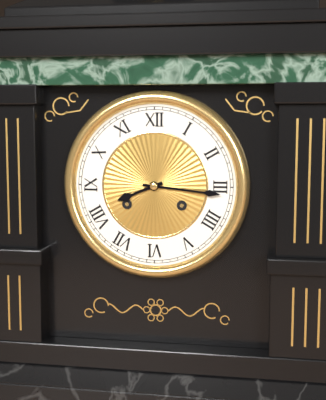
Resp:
**8:16**
